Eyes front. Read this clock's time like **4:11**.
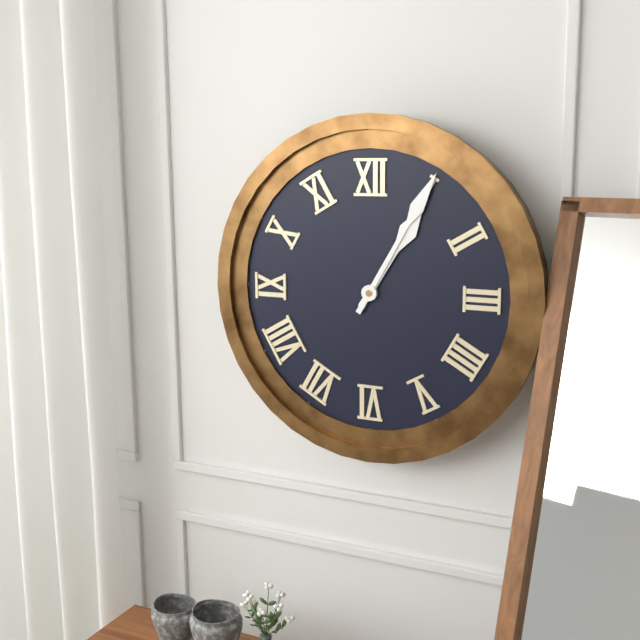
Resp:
**1:05**
